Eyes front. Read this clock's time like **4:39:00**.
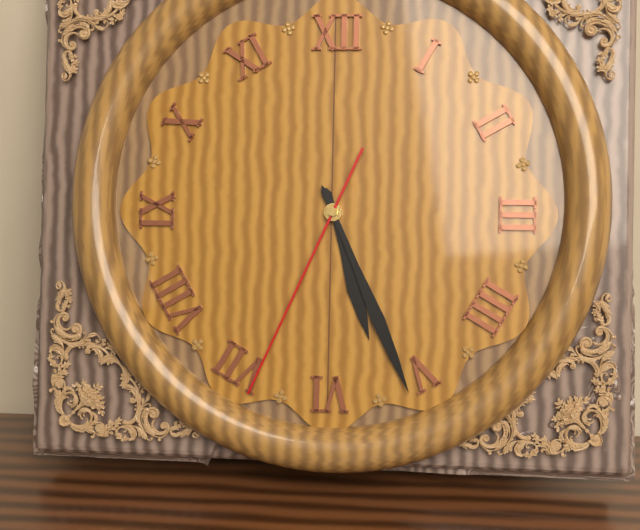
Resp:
**5:26:34**
